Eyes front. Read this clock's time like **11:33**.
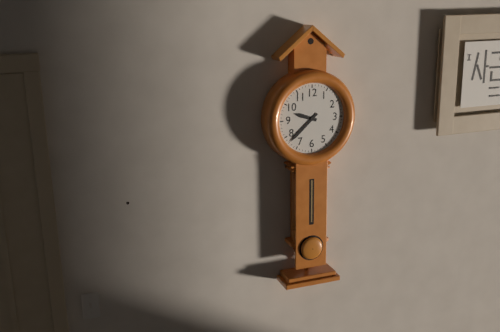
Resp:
**9:38**
